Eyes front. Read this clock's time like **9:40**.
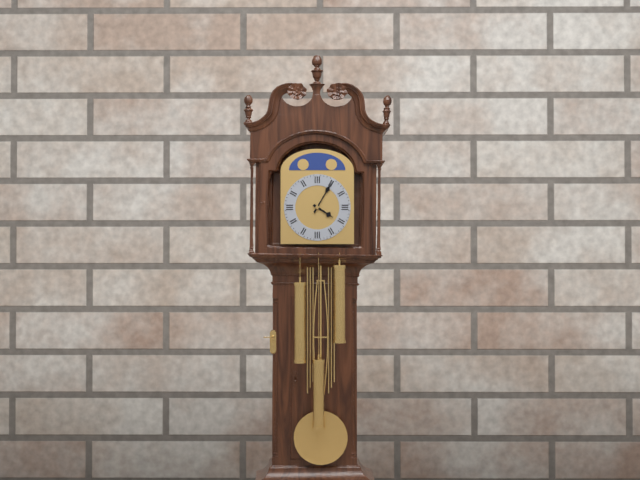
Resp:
**4:05**
